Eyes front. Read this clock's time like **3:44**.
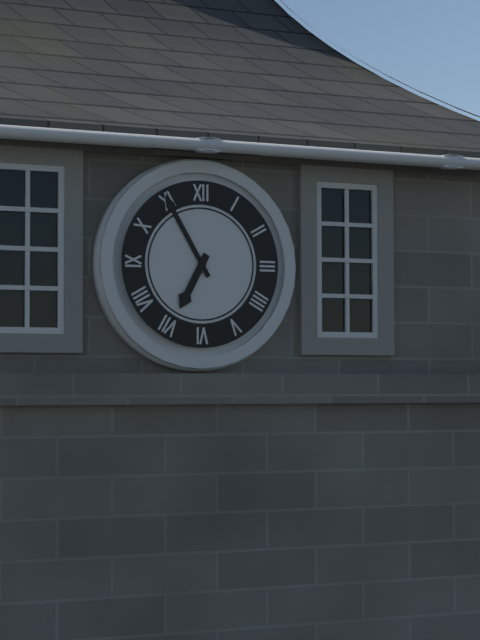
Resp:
**6:55**
